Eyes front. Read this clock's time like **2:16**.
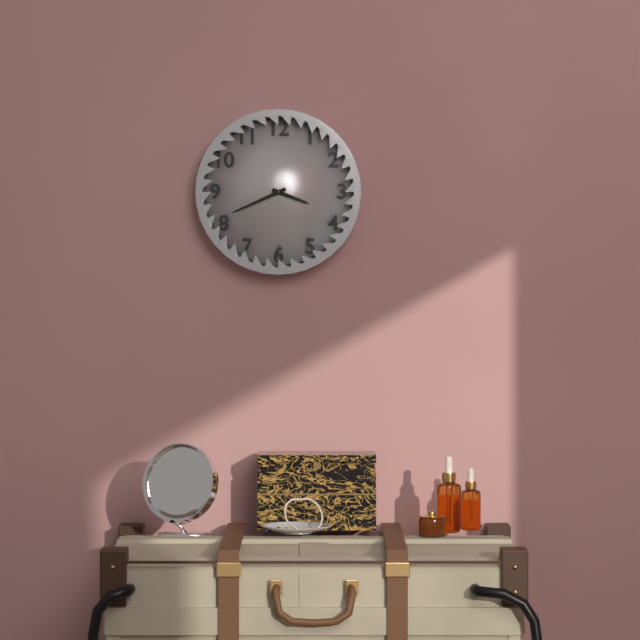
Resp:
**3:41**
